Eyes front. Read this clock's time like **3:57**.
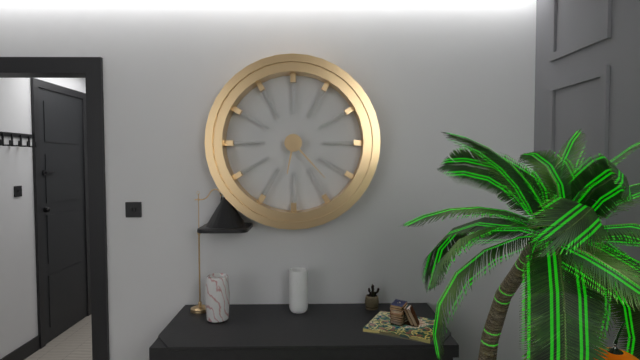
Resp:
**6:23**
